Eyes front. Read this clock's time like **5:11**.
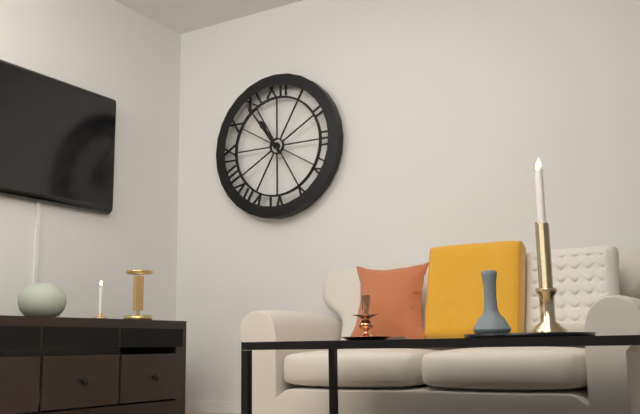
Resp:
**10:54**
